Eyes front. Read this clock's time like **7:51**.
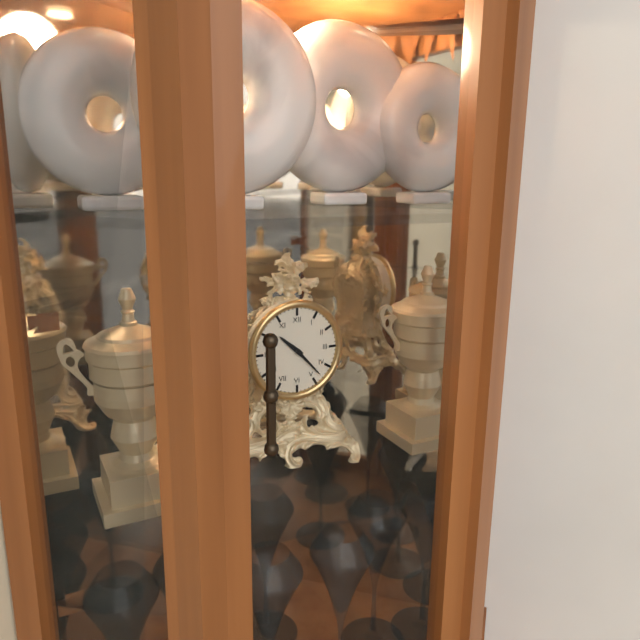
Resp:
**10:23**
